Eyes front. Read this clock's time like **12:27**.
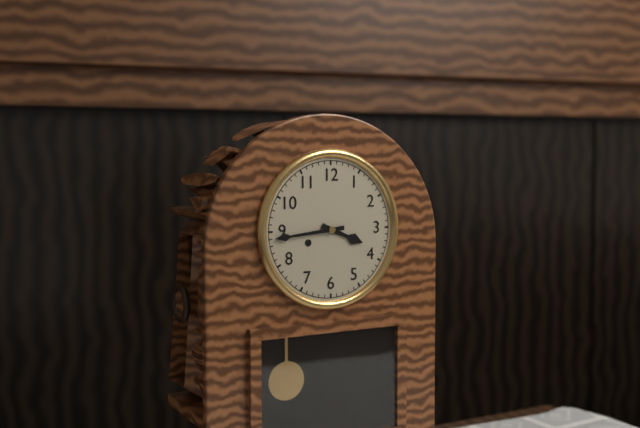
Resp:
**3:44**
